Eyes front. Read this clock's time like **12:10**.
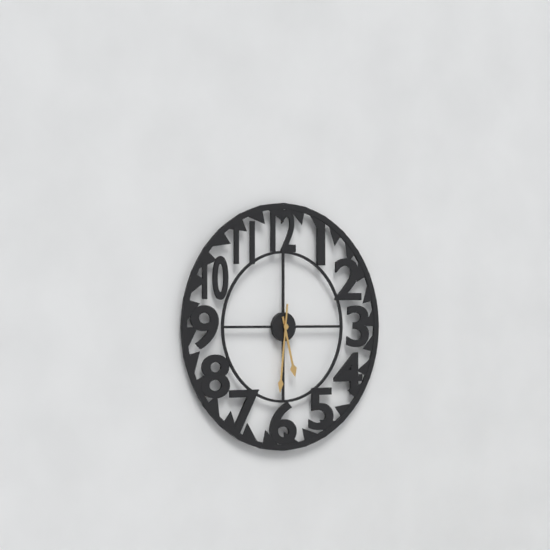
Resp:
**5:31**
